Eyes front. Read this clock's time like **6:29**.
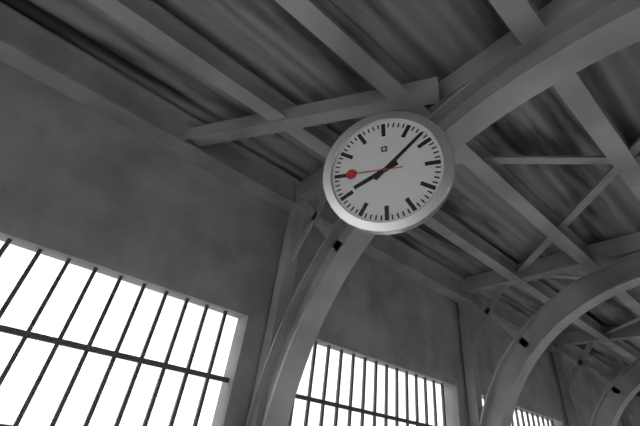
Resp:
**8:08**
